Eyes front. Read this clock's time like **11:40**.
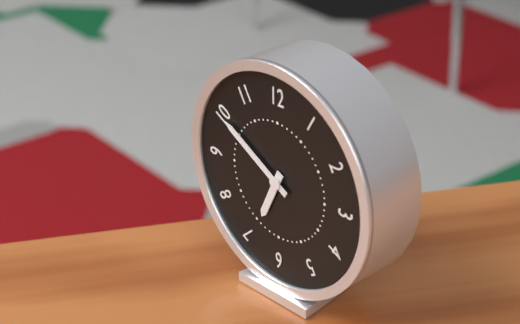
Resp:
**6:50**
